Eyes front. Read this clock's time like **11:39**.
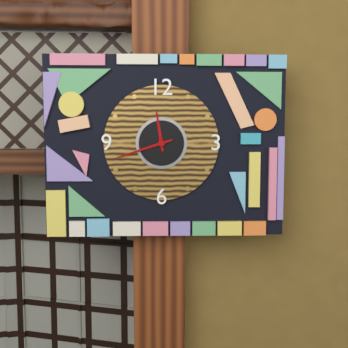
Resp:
**11:42**
